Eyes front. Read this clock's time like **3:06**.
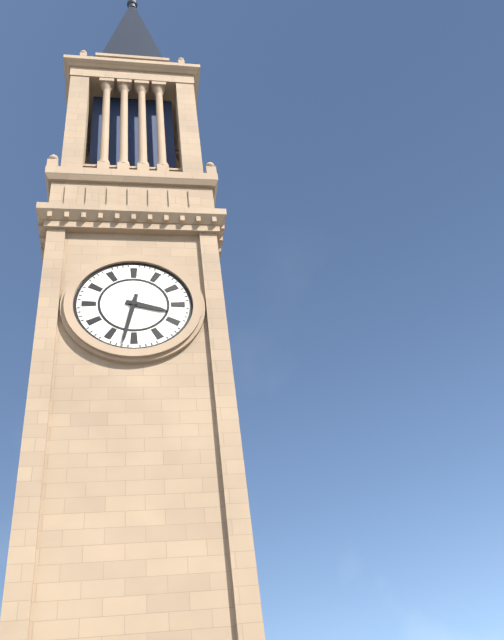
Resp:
**3:32**
